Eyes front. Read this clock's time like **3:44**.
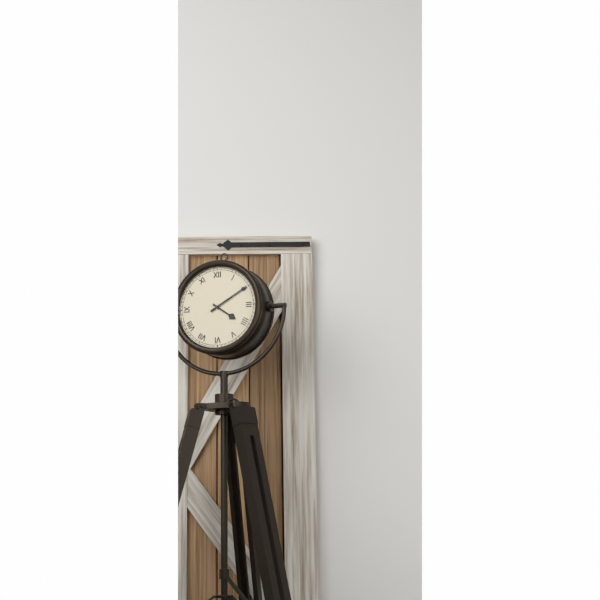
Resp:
**4:10**
